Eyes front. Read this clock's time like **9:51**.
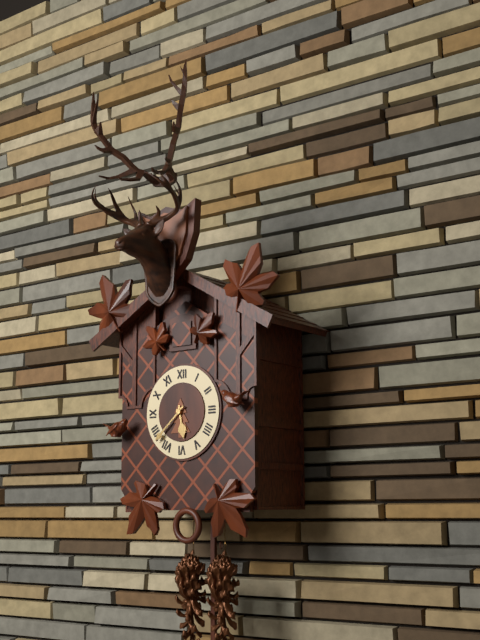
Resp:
**5:38**
